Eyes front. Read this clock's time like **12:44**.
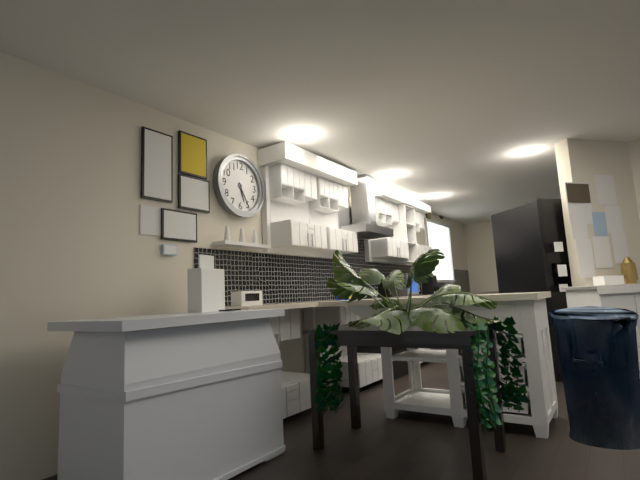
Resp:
**5:25**
